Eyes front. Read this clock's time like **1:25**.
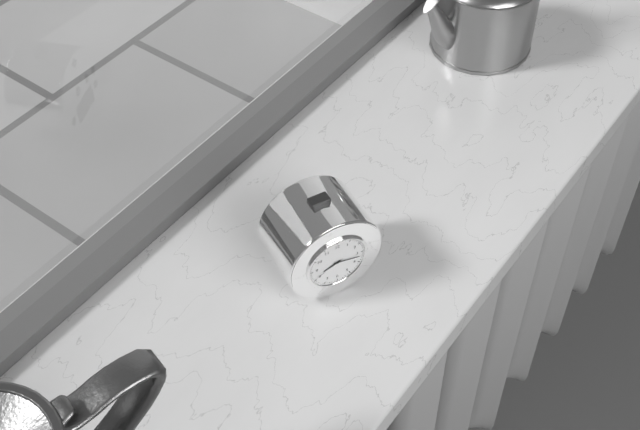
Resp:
**8:17**
